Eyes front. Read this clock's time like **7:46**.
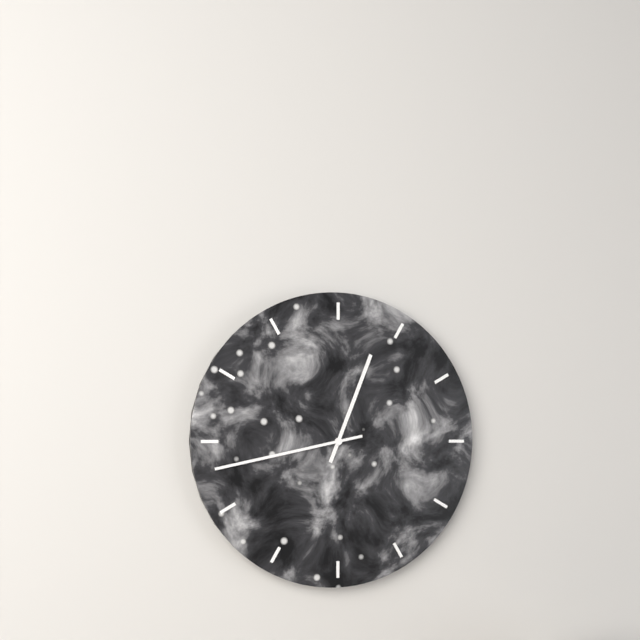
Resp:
**12:43**
